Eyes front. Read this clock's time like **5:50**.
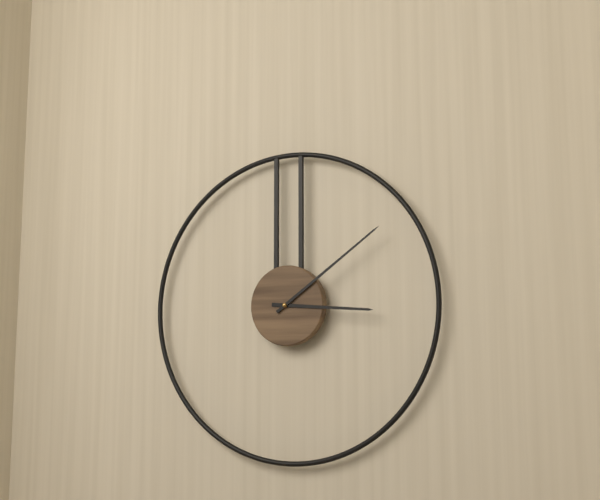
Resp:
**3:09**
